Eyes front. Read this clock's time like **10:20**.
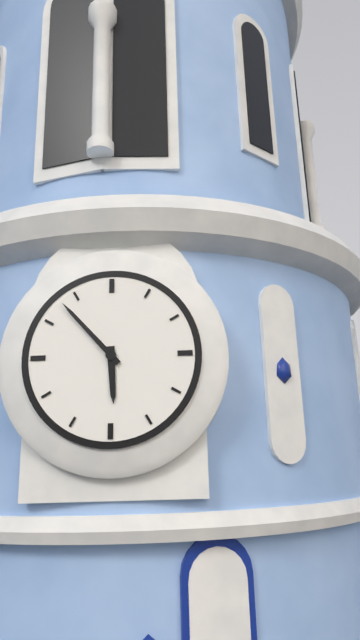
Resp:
**5:53**
